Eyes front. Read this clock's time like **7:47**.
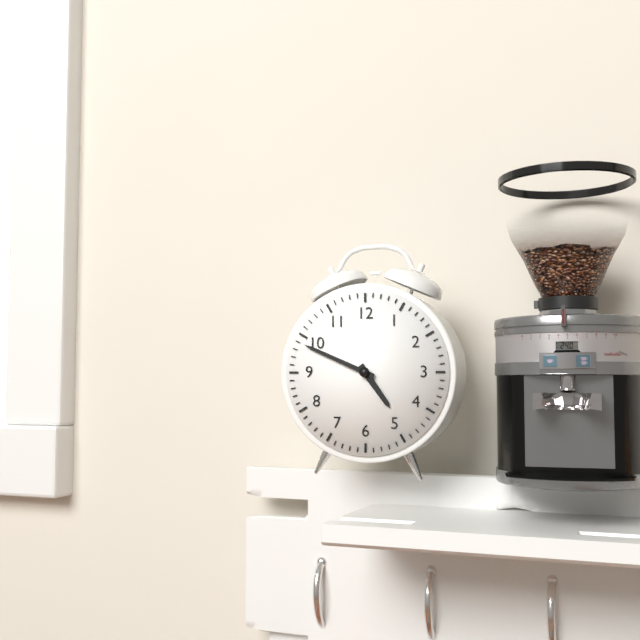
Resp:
**4:49**
